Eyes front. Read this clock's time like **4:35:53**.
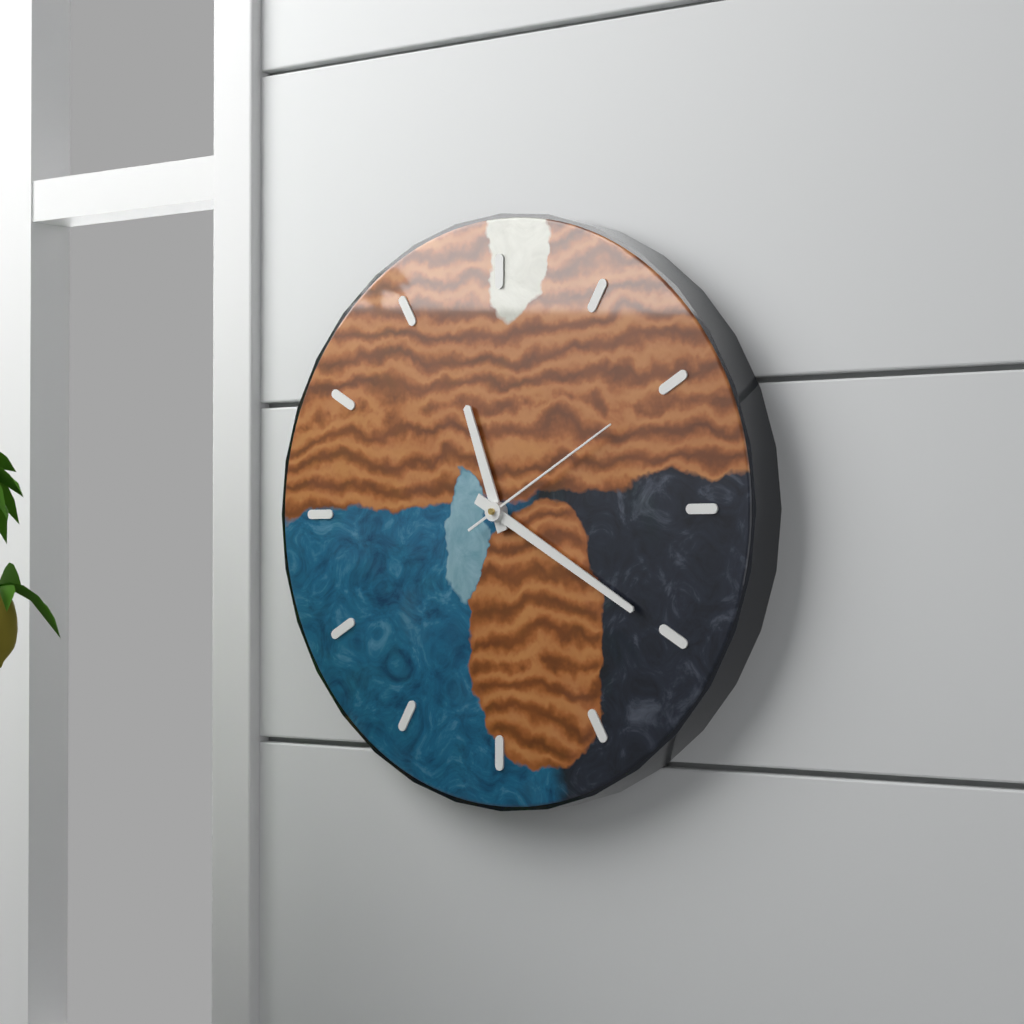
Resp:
**11:20:10**
